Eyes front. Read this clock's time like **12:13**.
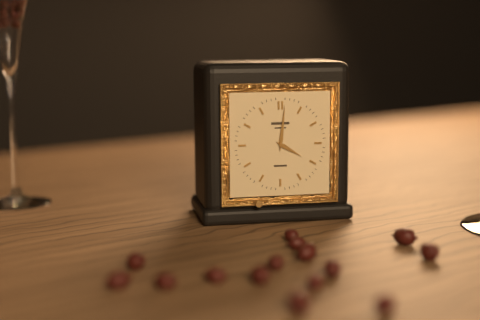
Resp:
**4:01**
